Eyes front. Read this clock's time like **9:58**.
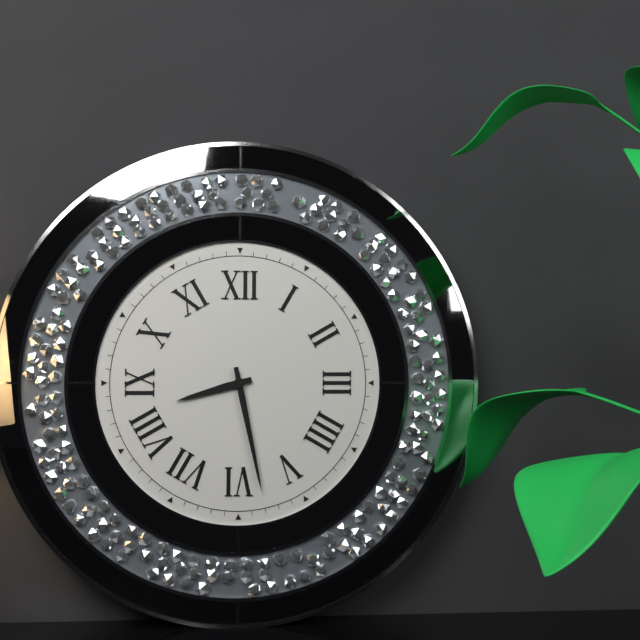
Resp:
**8:28**
